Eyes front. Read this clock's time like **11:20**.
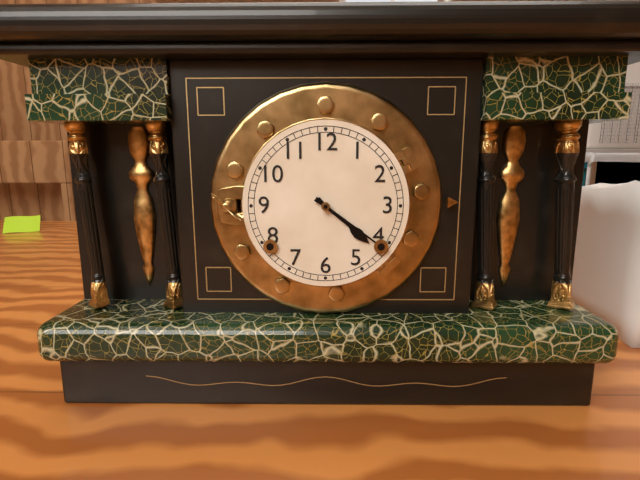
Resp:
**4:21**
